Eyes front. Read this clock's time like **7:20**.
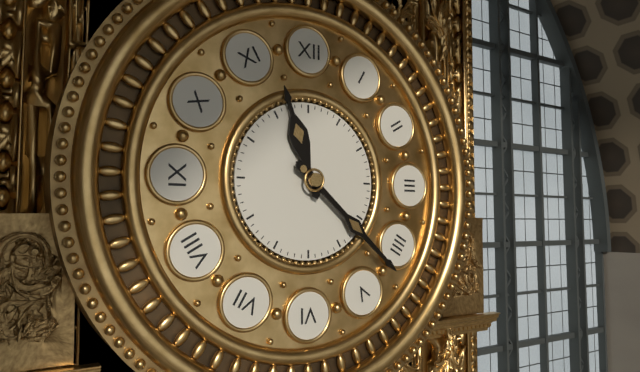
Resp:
**11:22**
